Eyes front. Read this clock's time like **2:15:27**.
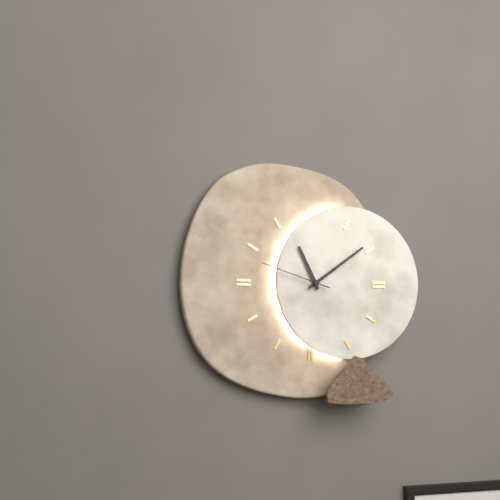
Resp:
**11:09:48**
